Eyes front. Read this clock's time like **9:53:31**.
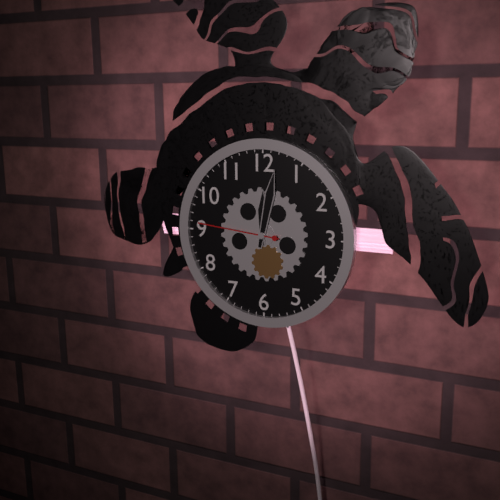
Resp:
**12:02:46**
